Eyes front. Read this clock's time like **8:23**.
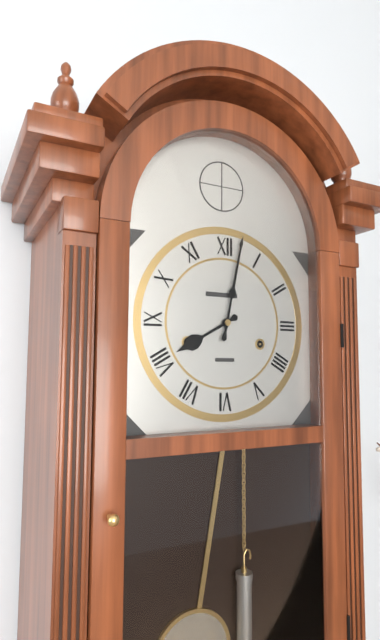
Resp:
**8:02**
